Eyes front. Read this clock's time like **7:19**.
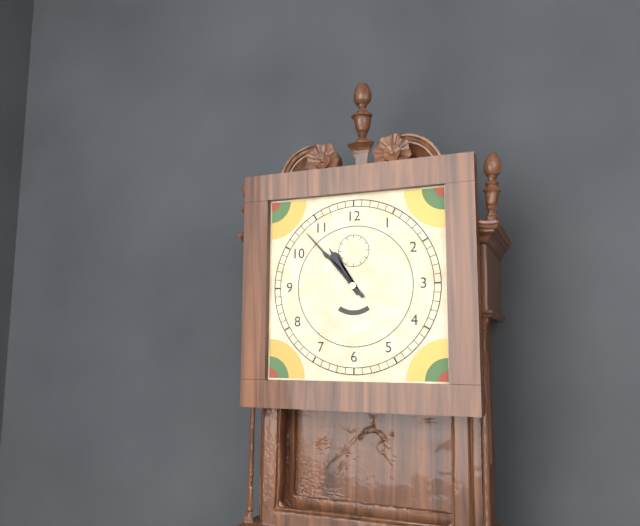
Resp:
**10:53**
